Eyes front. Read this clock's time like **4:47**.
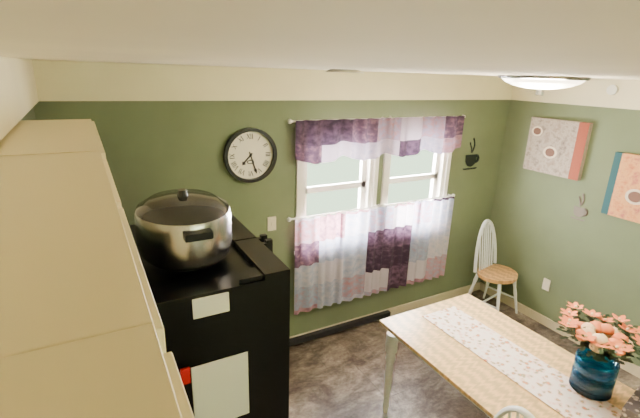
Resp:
**7:27**
